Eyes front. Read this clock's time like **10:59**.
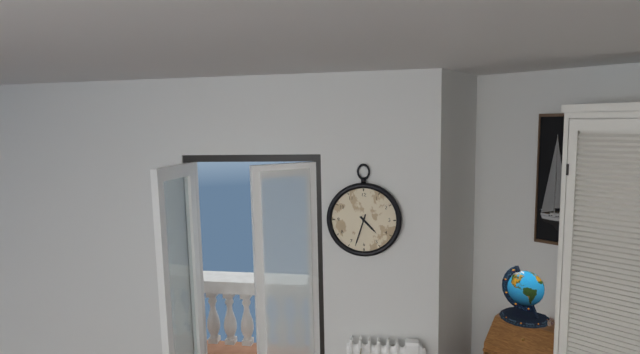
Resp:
**4:33**
